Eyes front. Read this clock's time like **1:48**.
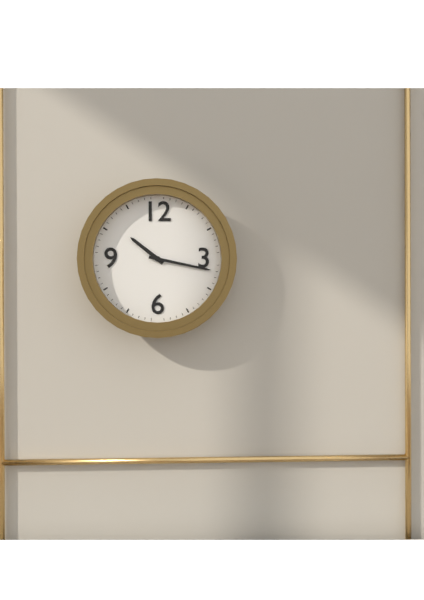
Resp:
**10:17**
